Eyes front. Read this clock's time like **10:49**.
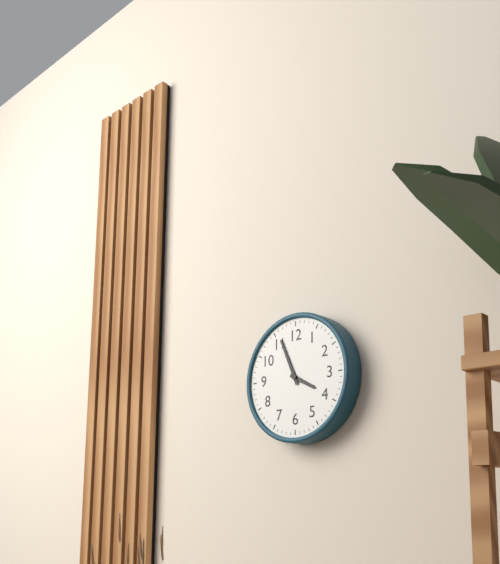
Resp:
**3:56**
